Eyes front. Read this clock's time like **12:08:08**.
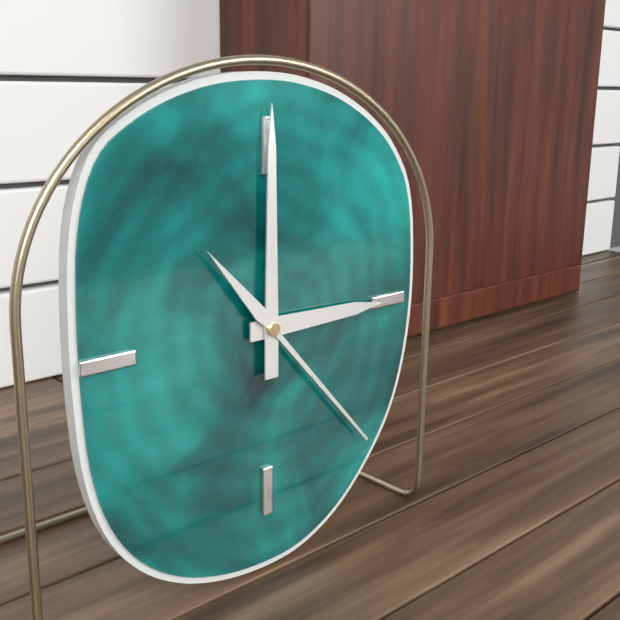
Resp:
**3:00:23**
